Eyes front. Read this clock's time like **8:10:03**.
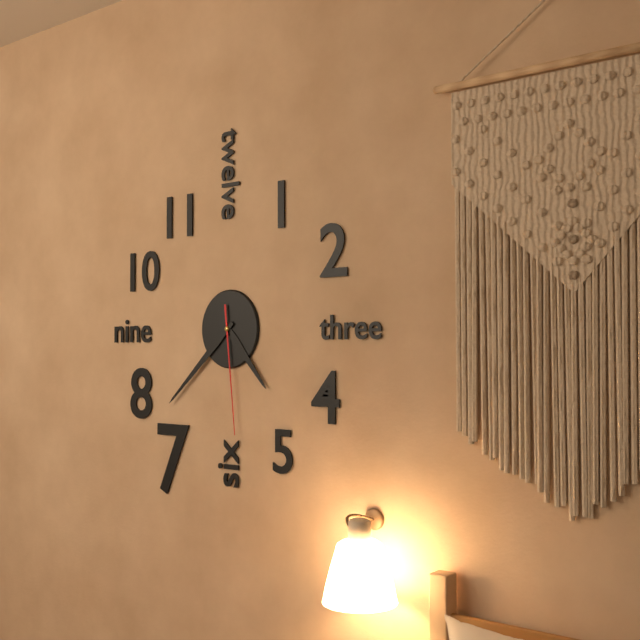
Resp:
**4:38:29**
